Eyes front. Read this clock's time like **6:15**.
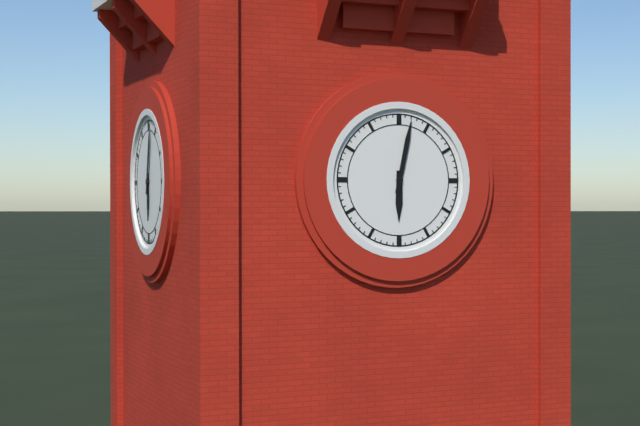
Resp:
**6:02**
